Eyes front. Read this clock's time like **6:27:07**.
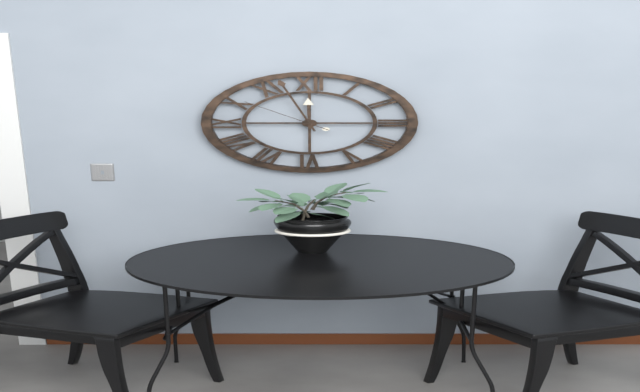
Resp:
**11:57:51**
